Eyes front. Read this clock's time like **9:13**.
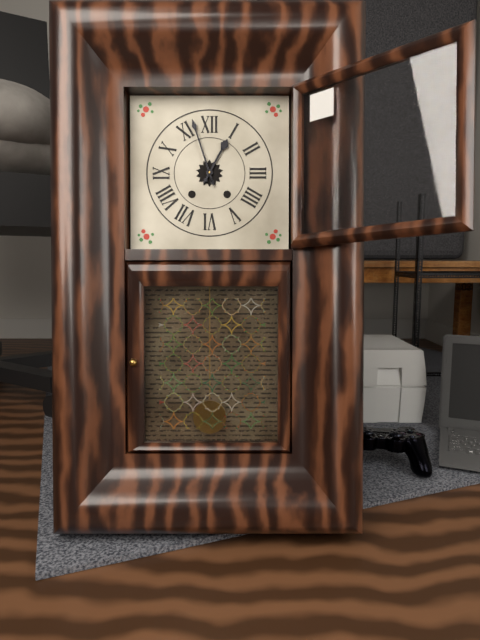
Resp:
**12:57**
